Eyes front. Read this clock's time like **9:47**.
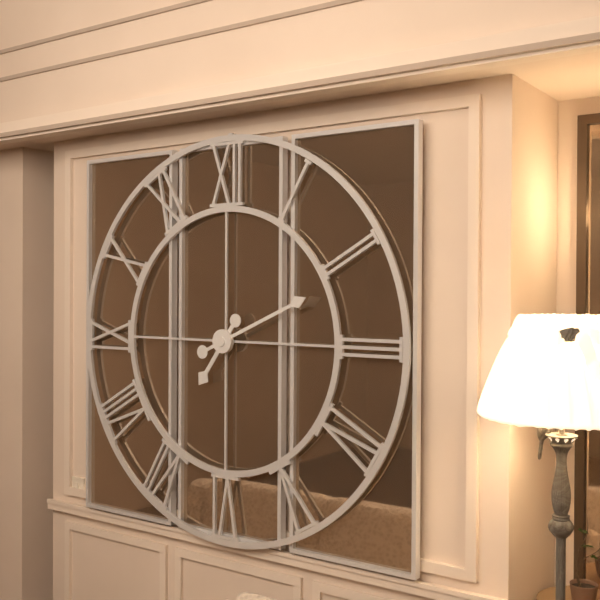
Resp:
**7:11**
